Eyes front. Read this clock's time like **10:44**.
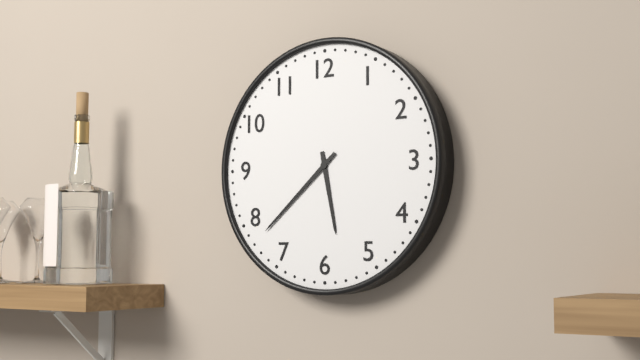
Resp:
**5:38**
